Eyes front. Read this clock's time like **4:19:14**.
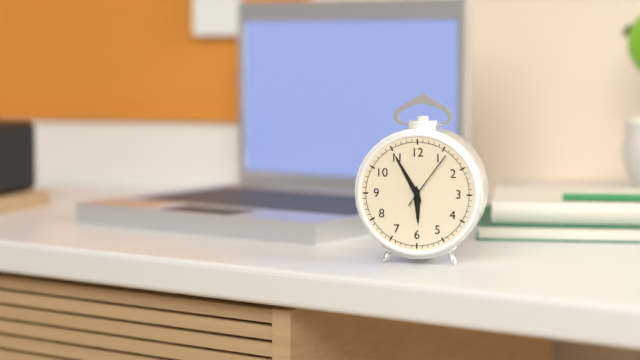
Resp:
**5:55:06**
